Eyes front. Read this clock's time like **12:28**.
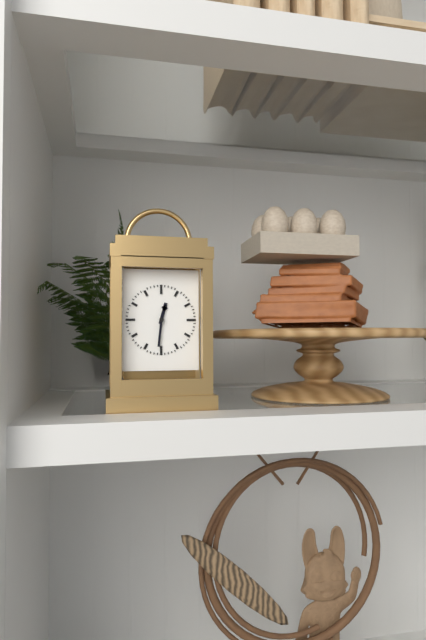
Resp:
**12:31**
